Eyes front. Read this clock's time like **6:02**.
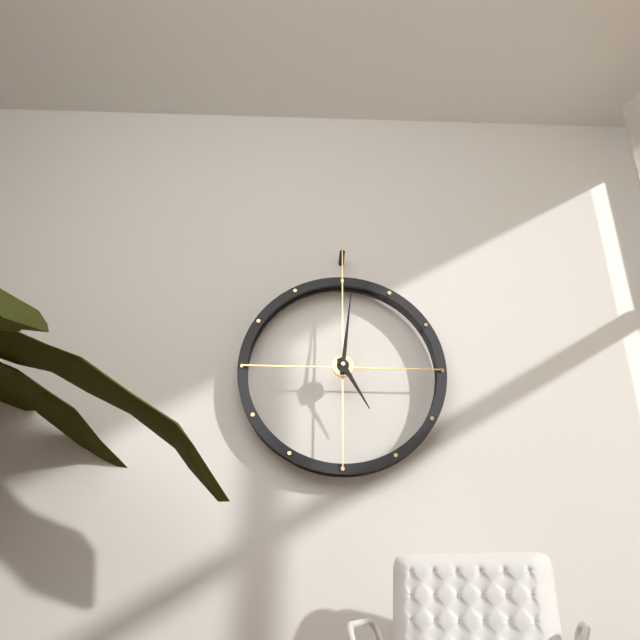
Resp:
**5:01**
